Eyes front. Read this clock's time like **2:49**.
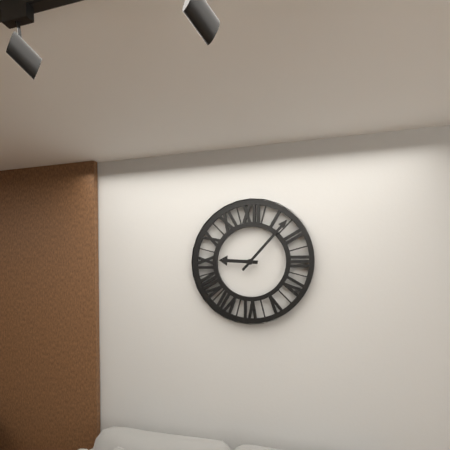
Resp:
**9:07**
